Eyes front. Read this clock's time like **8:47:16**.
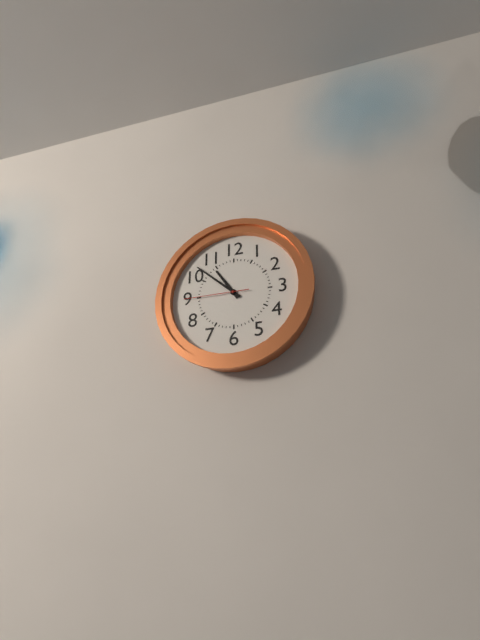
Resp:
**10:52:45**
